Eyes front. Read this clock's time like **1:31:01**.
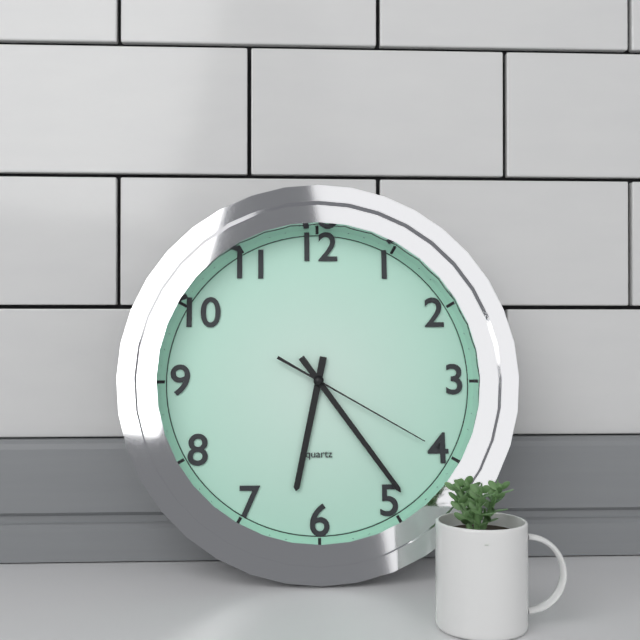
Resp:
**6:24:20**
